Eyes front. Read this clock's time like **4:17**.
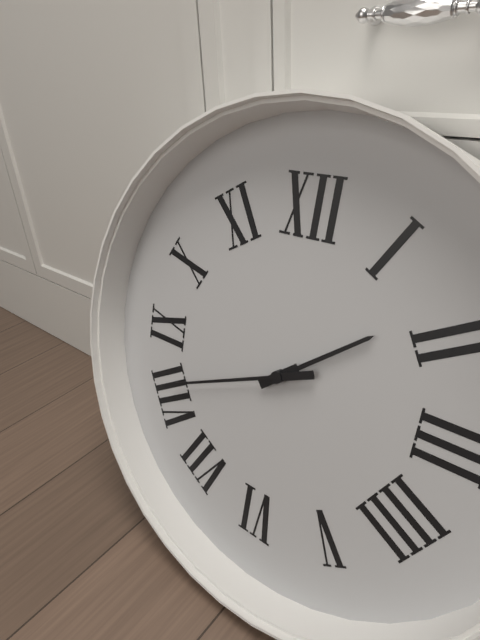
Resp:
**1:41**
